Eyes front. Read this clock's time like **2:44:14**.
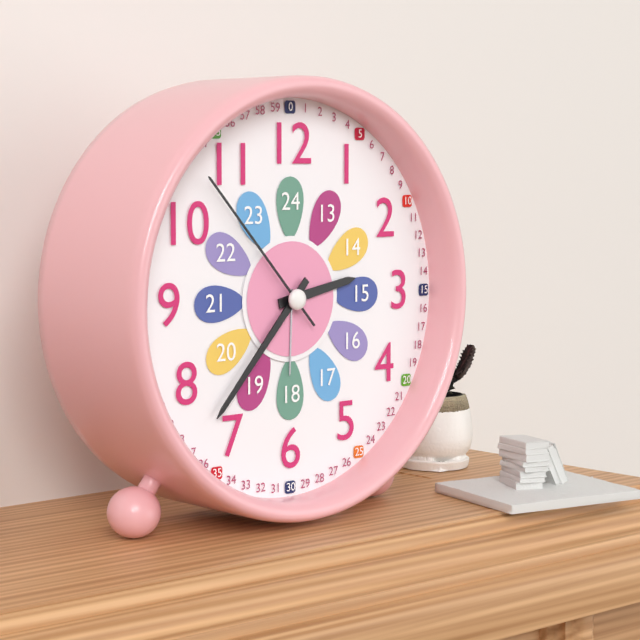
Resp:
**2:37:53**
